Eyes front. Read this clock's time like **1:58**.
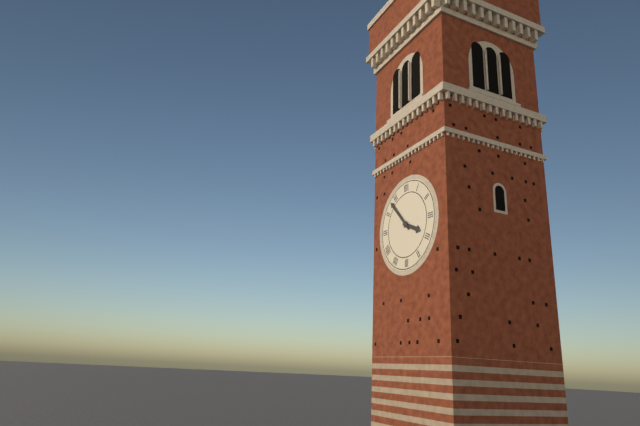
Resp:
**3:53**
